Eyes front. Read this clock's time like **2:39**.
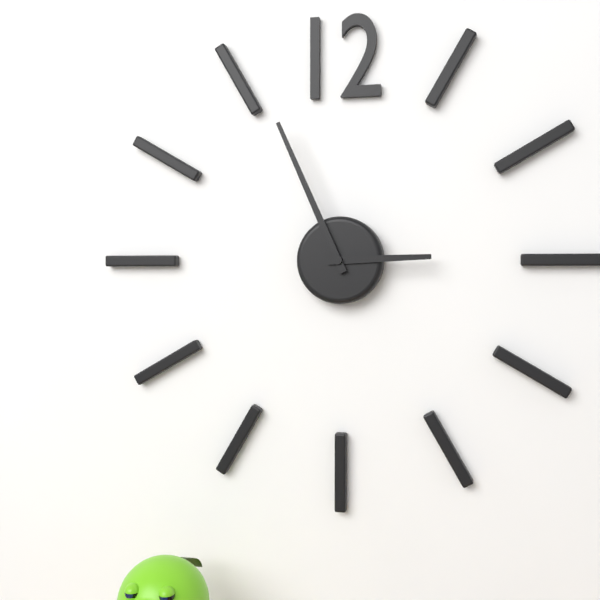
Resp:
**2:56**
